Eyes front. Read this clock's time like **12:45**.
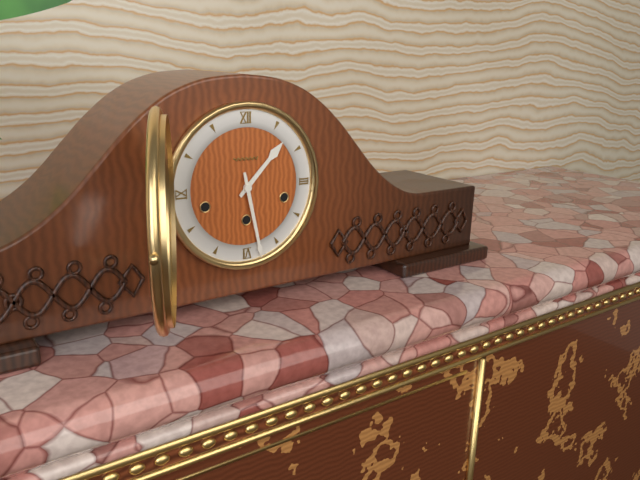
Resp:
**1:28**
